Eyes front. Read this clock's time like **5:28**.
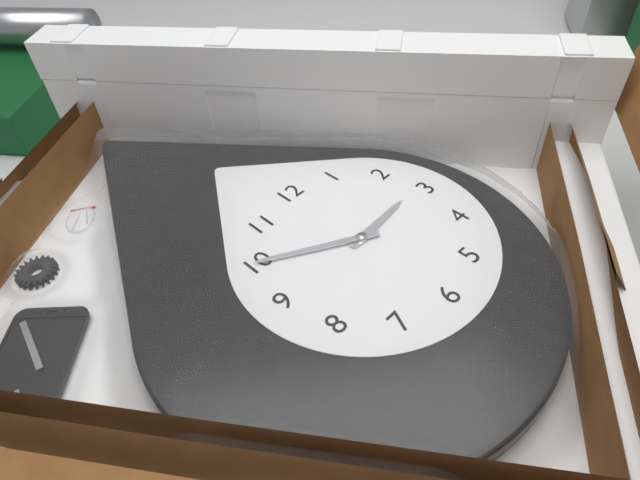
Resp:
**2:50**
